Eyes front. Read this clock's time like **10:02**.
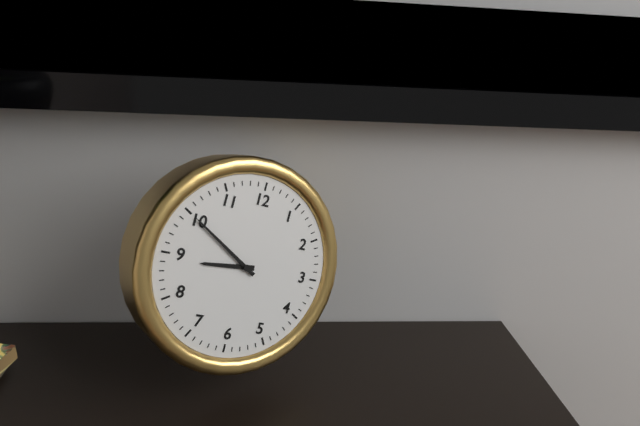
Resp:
**8:50**
